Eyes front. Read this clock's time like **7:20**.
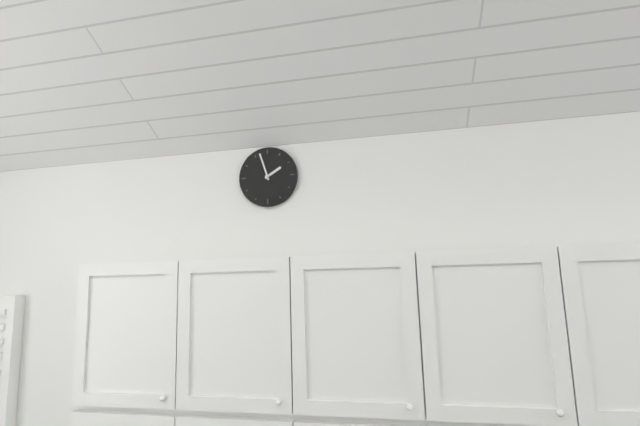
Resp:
**1:57**
